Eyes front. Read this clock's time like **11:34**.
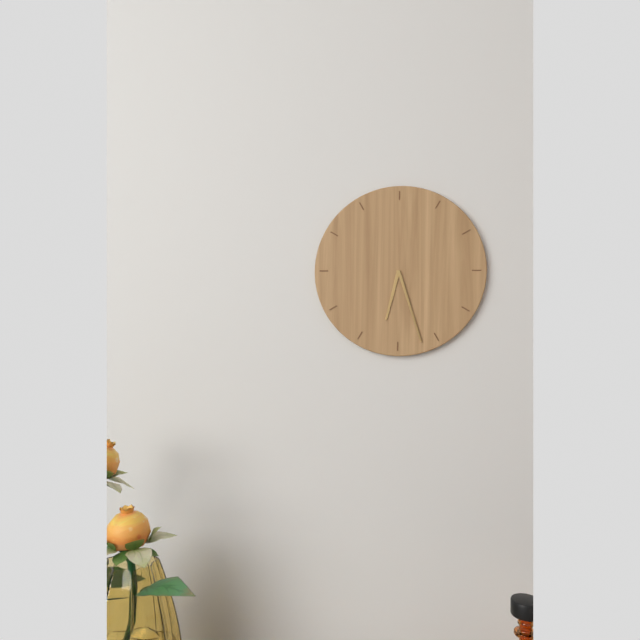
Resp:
**6:27**
